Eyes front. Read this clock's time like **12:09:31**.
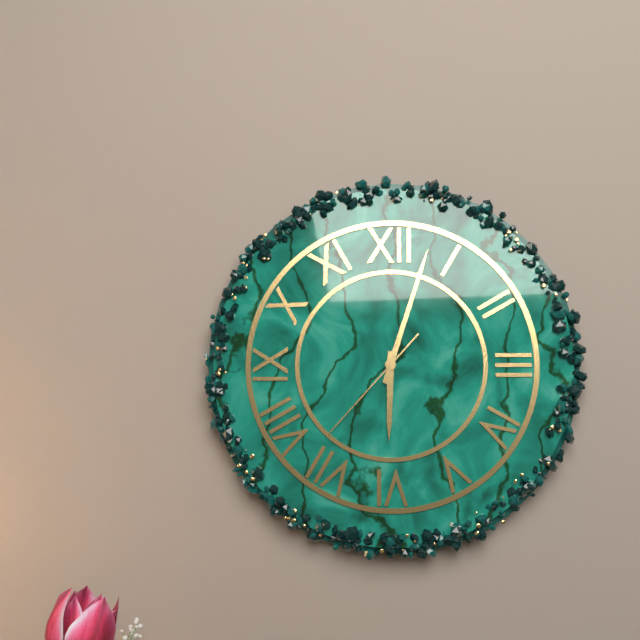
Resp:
**6:03:37**
